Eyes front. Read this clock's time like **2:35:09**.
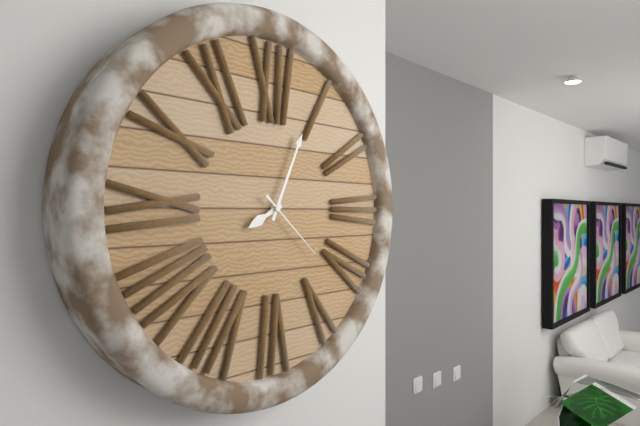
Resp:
**8:04:22**
